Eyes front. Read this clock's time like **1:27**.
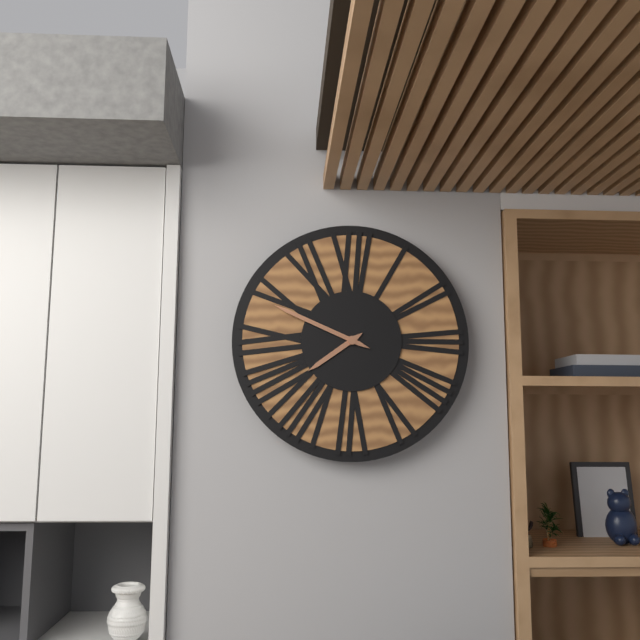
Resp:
**7:49**
